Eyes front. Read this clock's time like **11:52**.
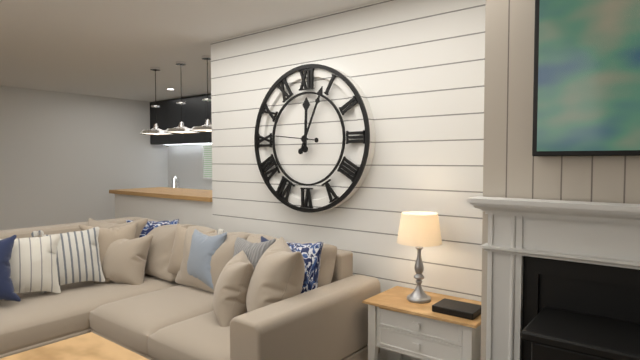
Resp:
**12:04**
